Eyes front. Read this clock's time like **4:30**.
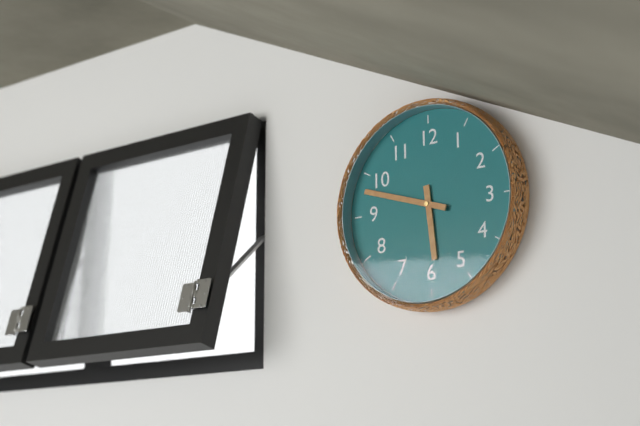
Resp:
**5:48**
